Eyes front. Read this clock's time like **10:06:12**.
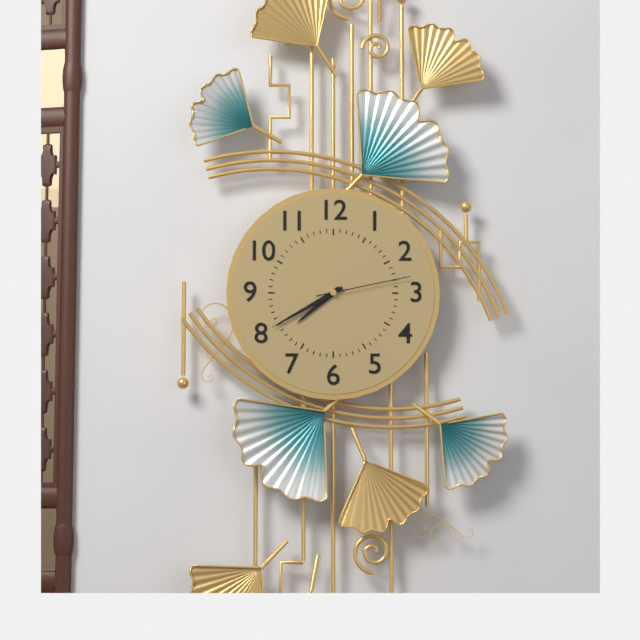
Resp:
**7:40:13**
